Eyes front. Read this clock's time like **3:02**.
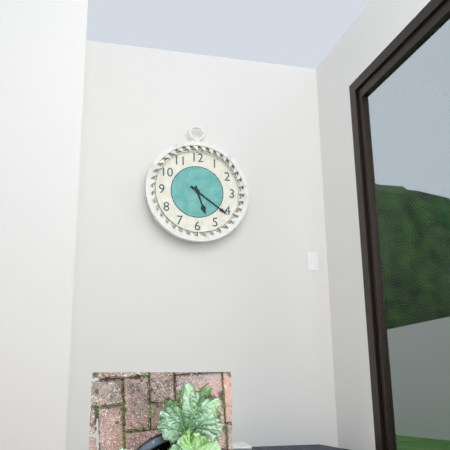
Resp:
**5:21**
